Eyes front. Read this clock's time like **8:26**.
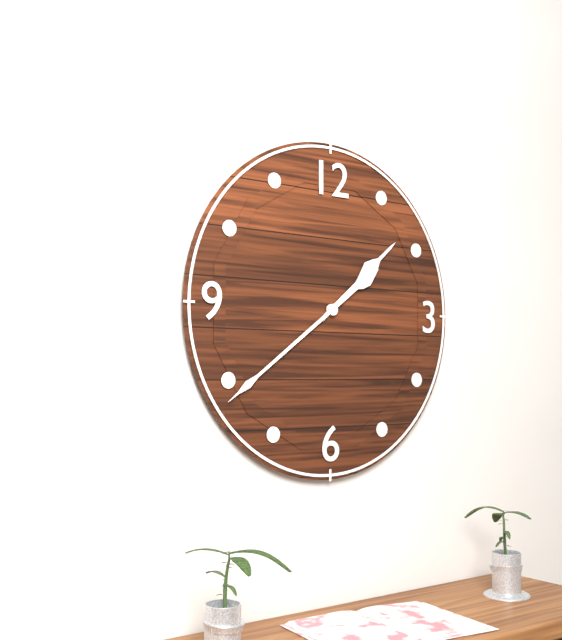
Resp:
**1:39**
